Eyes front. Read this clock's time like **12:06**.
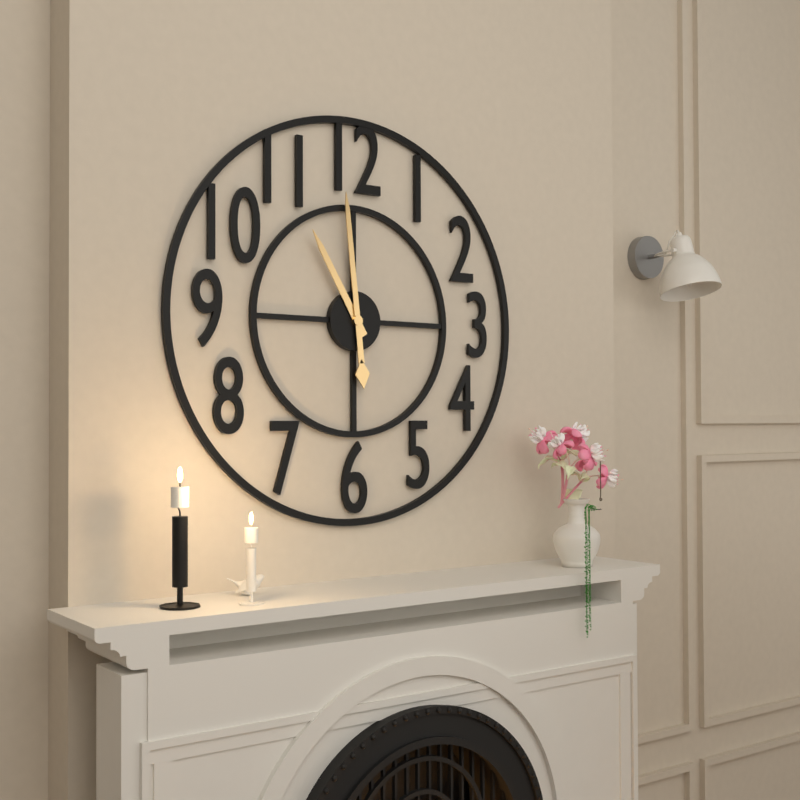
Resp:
**10:59**
